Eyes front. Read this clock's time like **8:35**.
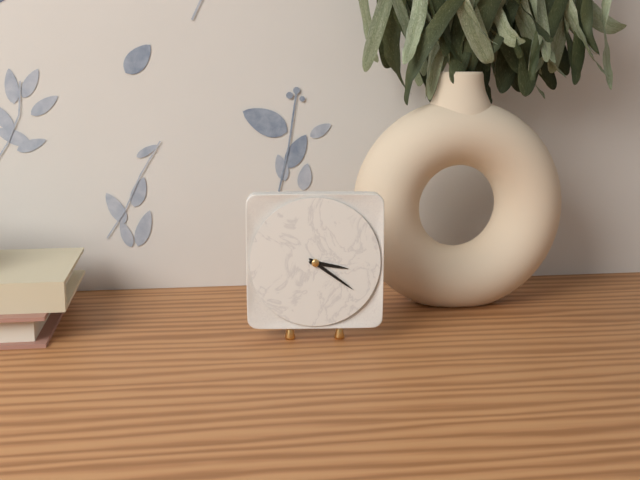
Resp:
**3:21**
